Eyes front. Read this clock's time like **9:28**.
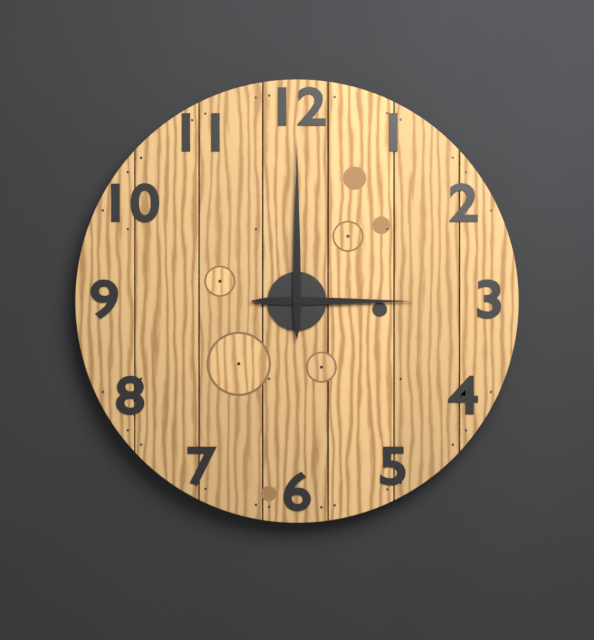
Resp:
**3:00**
